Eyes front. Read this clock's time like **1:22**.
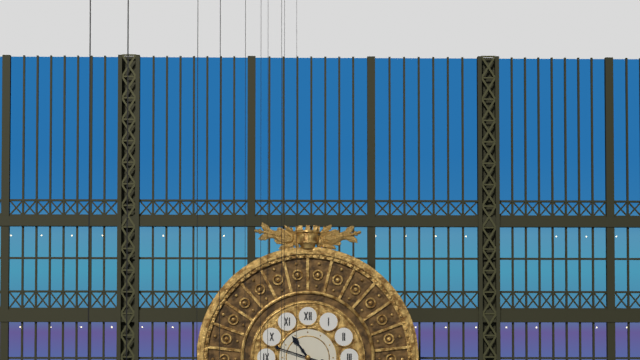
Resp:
**10:48**
